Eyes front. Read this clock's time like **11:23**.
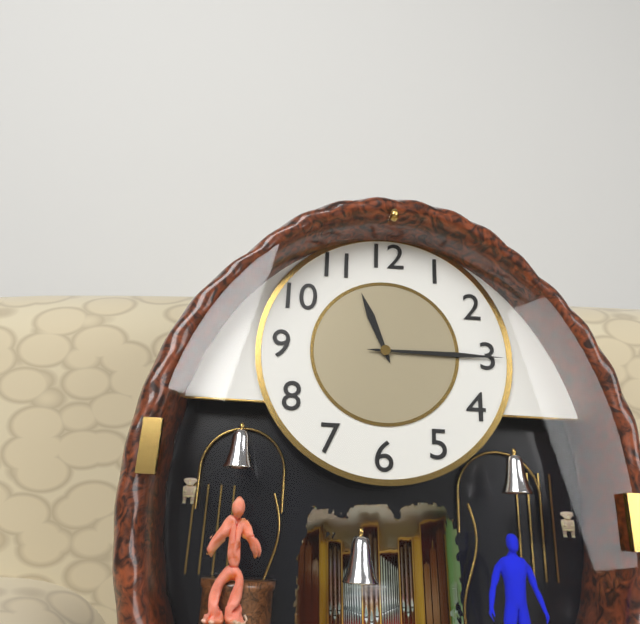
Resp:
**11:15**
